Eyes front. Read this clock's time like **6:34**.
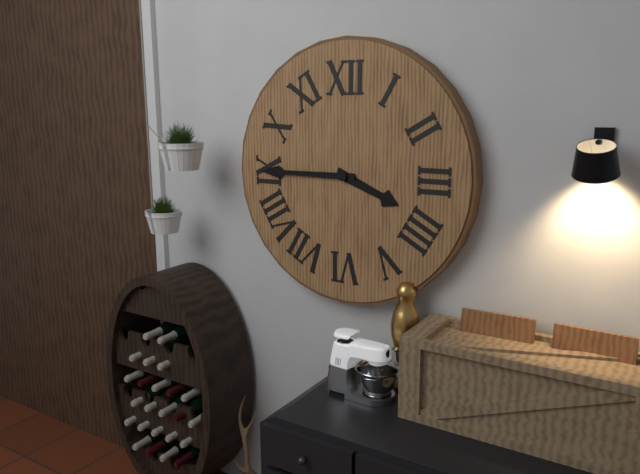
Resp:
**3:45**
